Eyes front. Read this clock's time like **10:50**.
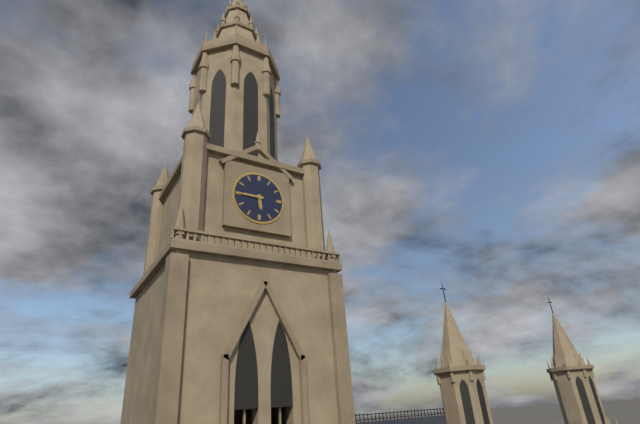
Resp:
**5:45**
